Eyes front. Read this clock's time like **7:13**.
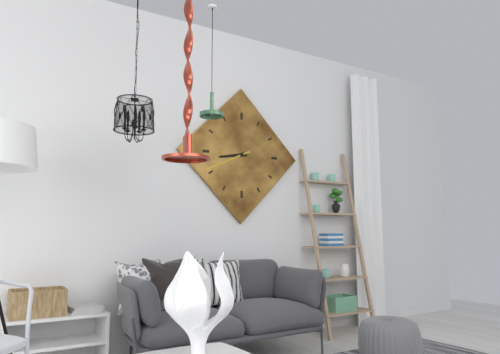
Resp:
**8:41**
